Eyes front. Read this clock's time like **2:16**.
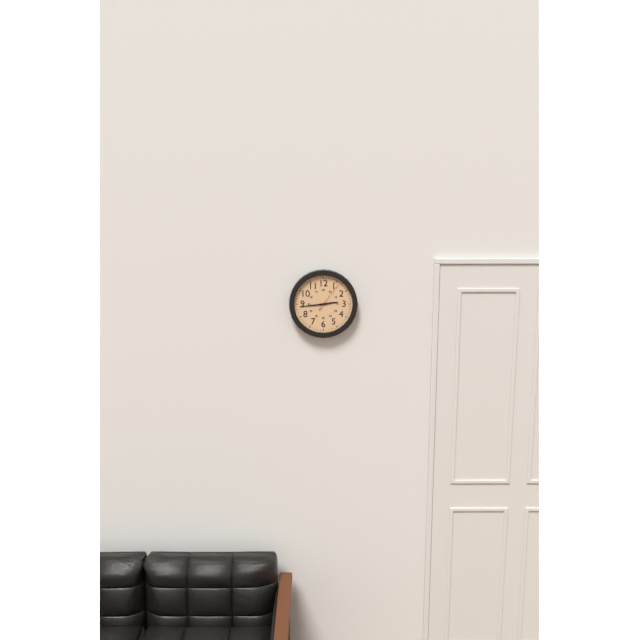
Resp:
**2:44**
